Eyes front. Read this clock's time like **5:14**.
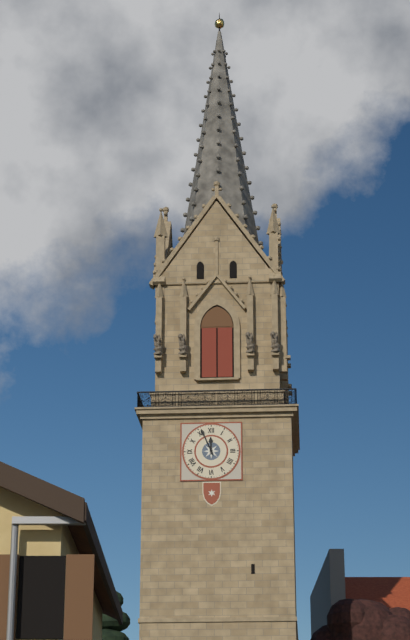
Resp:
**11:56**
